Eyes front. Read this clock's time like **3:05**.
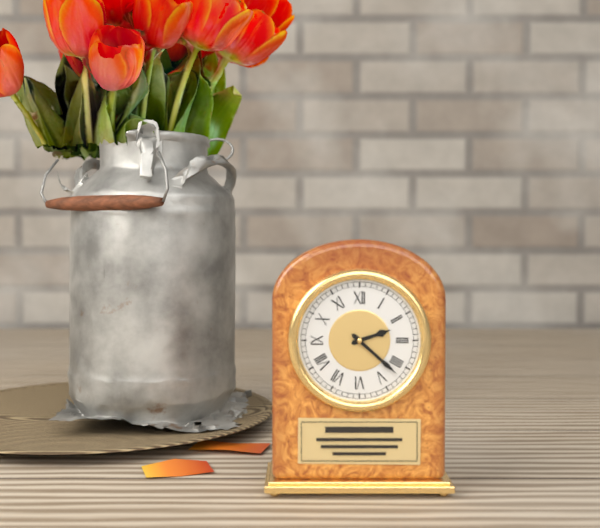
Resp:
**2:22**
